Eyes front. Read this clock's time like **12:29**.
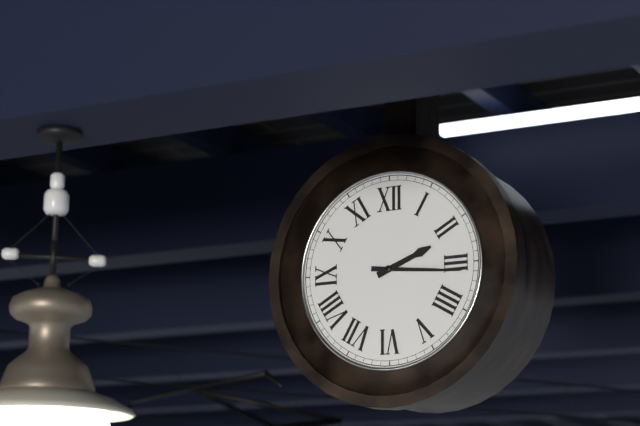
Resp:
**2:16**
